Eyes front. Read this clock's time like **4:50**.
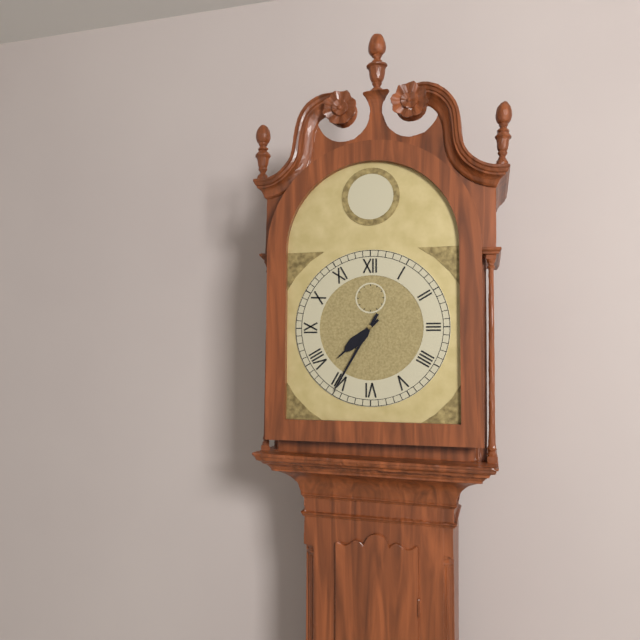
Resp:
**7:35**
